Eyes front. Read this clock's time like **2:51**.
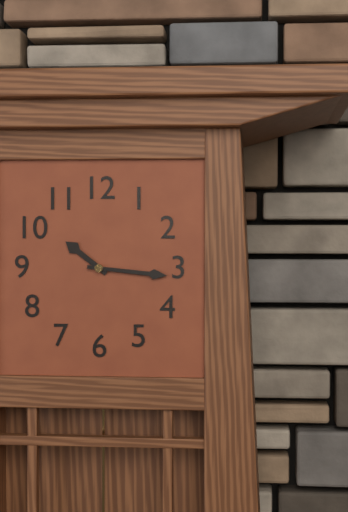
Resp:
**10:16**
